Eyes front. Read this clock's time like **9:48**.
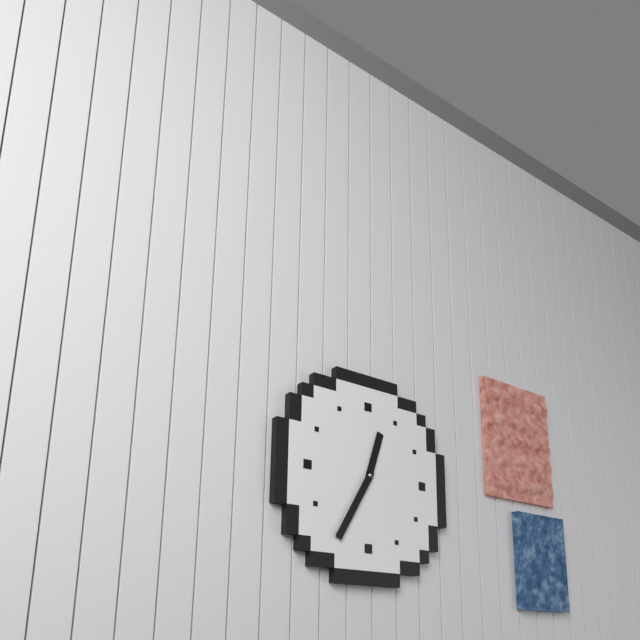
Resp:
**12:35**
